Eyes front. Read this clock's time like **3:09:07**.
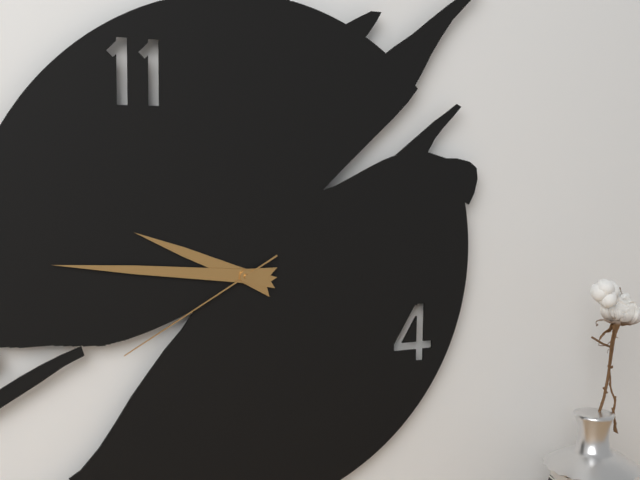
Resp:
**9:46:40**
